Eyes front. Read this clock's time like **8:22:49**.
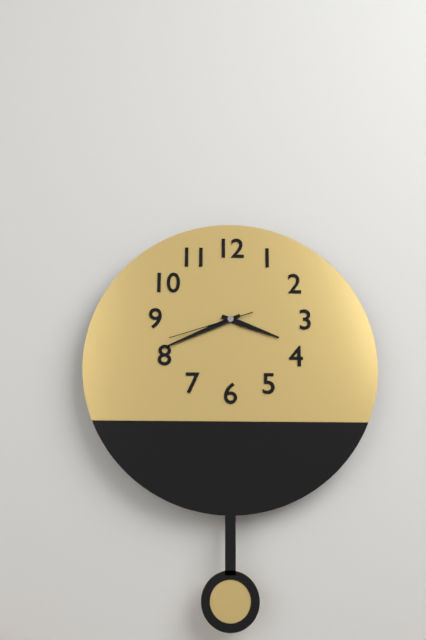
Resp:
**3:41:42**
